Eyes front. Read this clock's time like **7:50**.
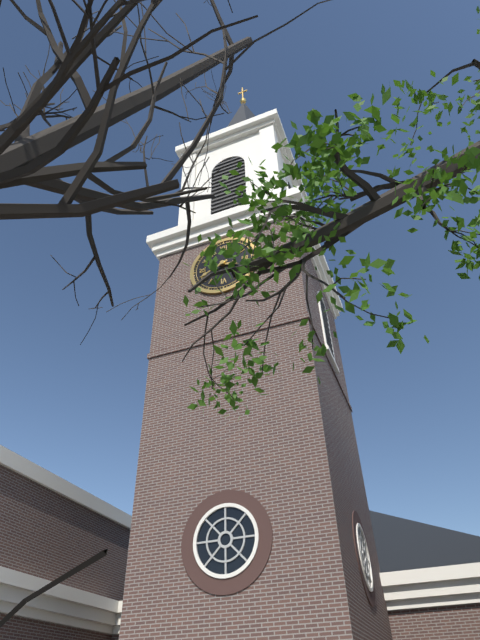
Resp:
**3:41**
